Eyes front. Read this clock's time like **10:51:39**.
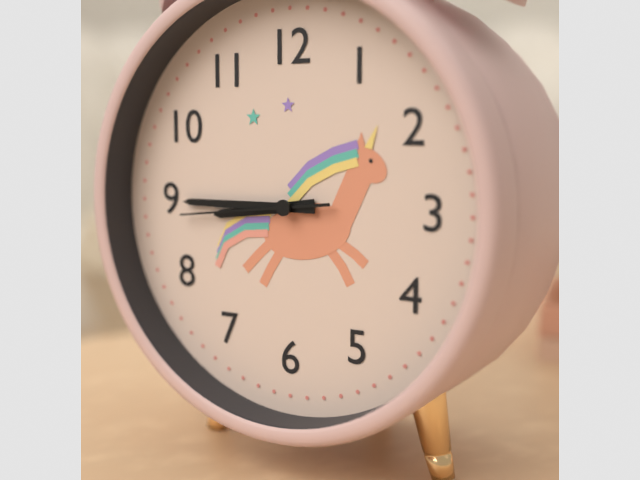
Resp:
**8:45:44**
